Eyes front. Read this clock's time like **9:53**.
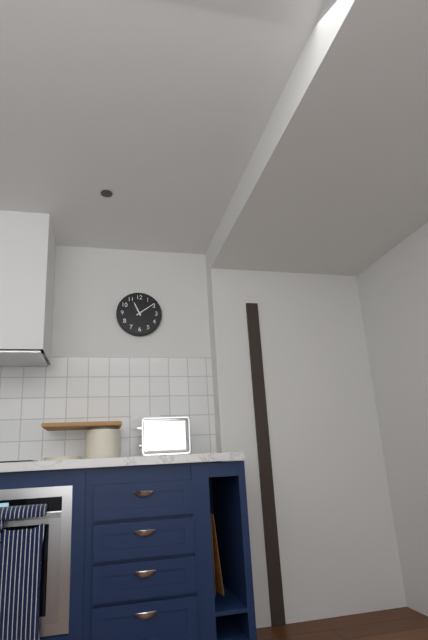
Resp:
**11:09**
